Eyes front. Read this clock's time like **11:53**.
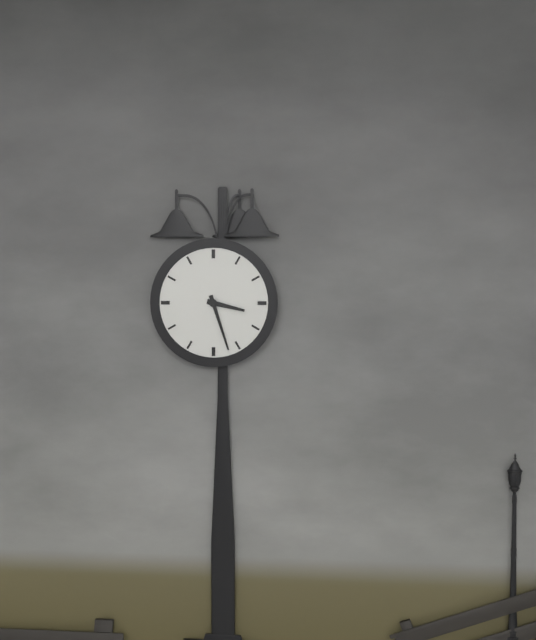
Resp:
**3:27**
